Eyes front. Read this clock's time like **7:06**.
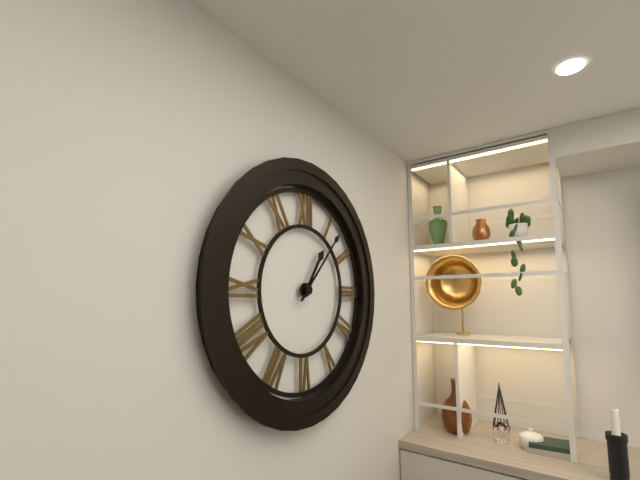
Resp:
**1:07**
